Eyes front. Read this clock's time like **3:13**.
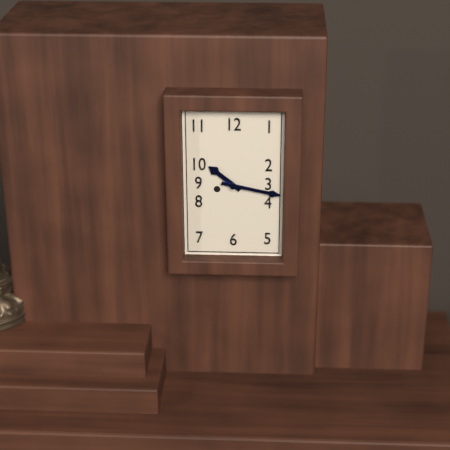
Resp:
**10:17**
